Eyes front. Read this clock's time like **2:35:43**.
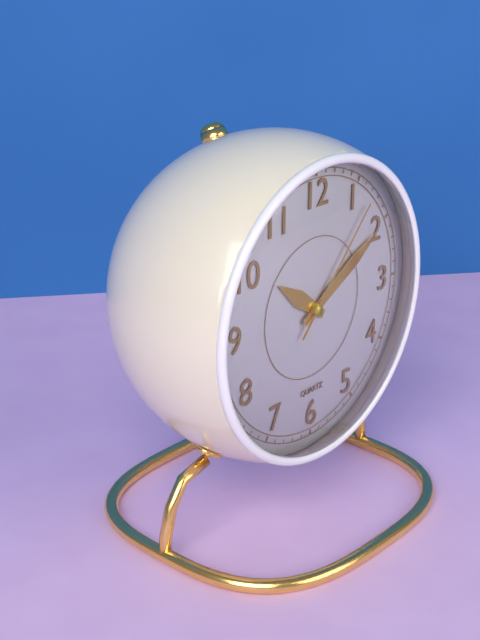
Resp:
**10:10:07**
